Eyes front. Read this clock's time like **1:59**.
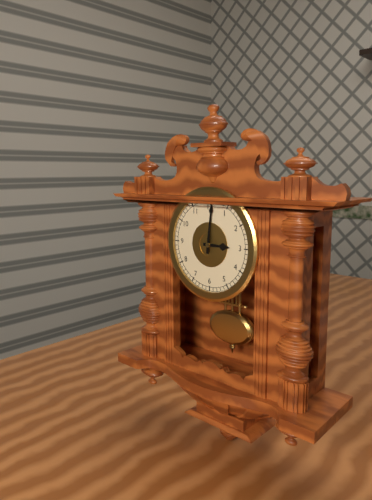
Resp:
**3:01**
